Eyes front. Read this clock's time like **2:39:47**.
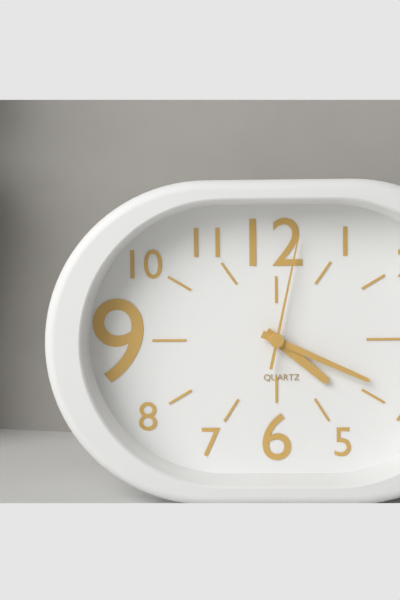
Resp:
**4:19:02**
